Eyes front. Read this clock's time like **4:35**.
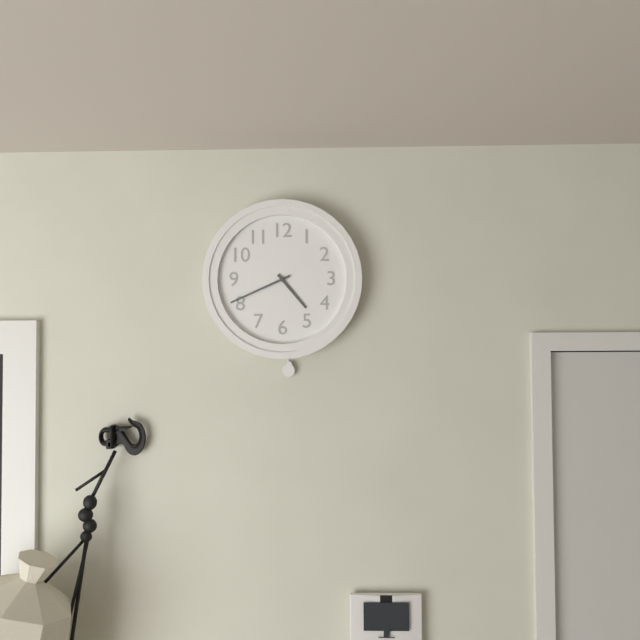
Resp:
**4:41**
